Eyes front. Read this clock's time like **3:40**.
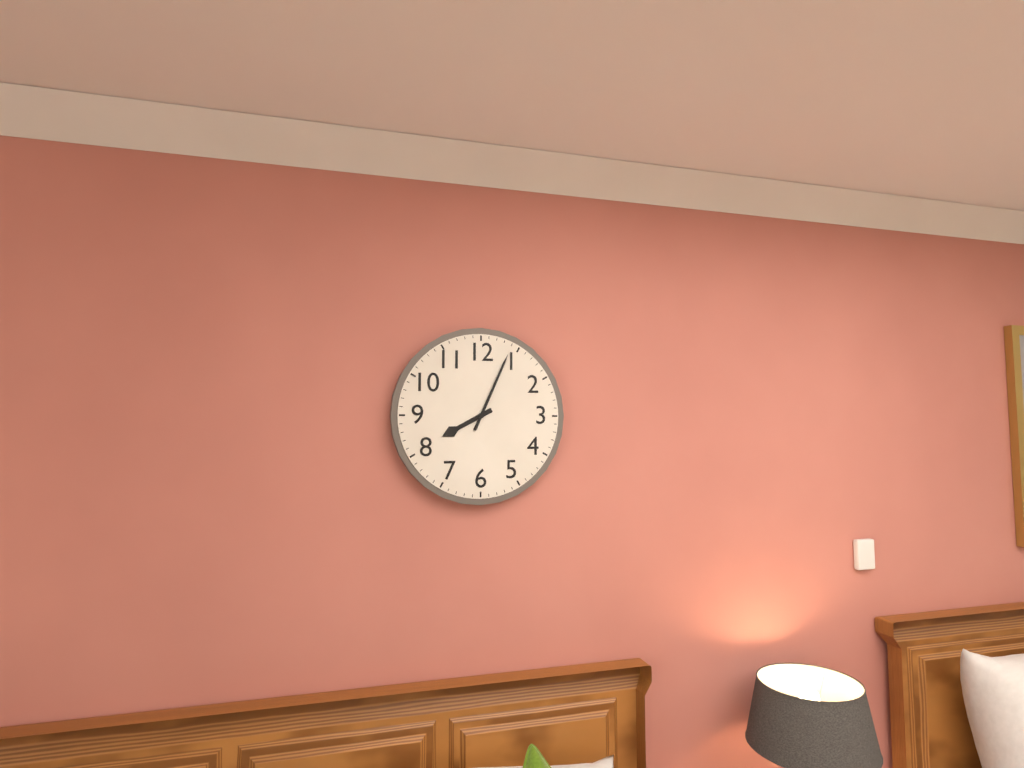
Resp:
**8:04**
